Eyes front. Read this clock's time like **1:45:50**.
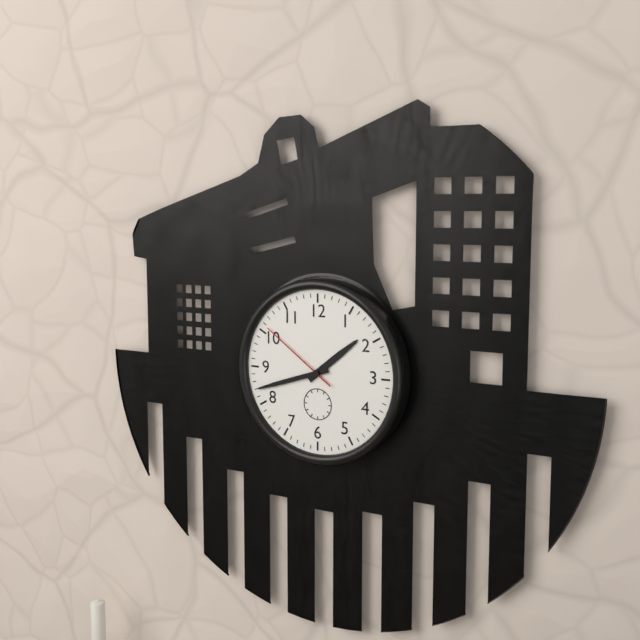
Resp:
**1:42:51**
